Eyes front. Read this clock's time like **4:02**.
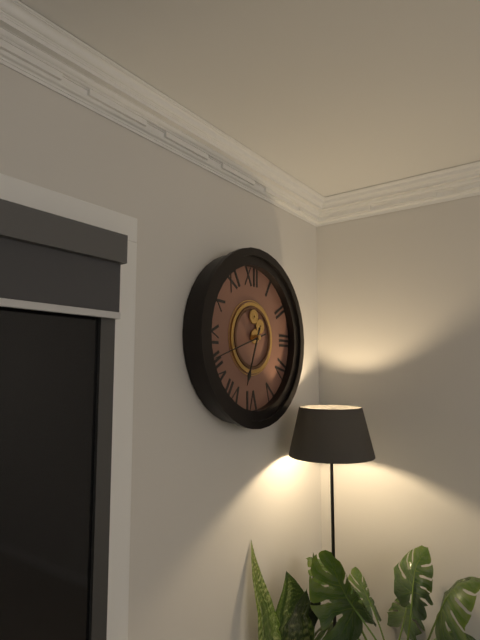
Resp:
**6:42**
